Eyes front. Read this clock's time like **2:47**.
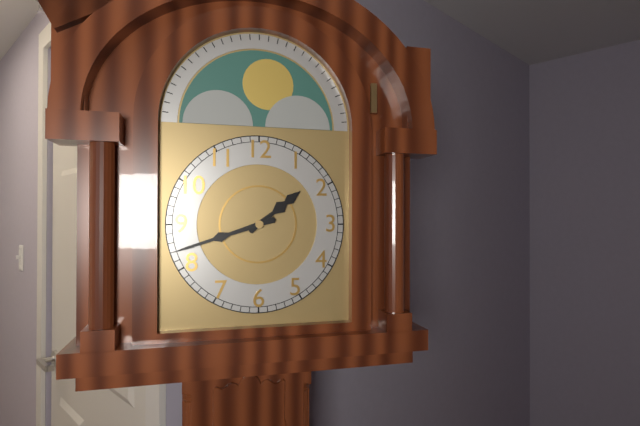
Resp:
**1:42**
